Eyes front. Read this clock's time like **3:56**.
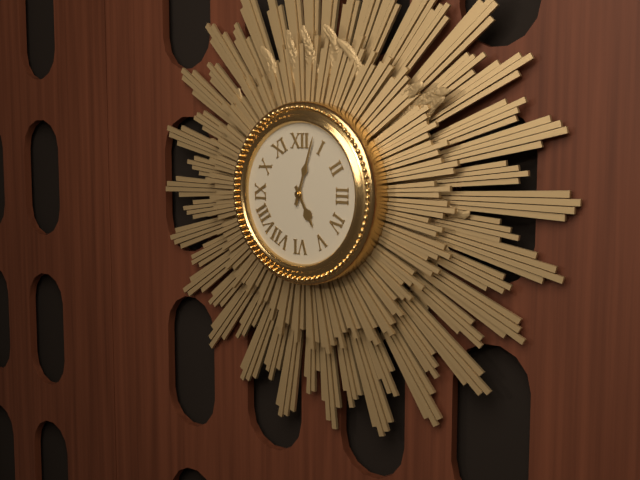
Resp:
**5:03**
